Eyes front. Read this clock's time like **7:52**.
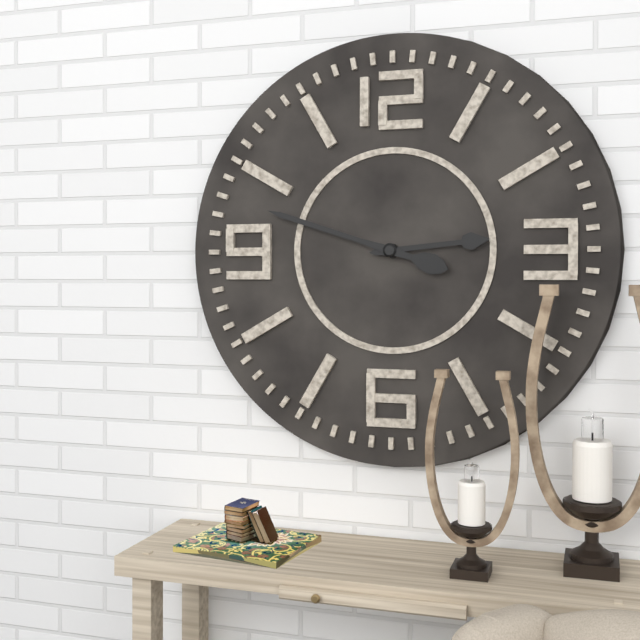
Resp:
**2:48**
